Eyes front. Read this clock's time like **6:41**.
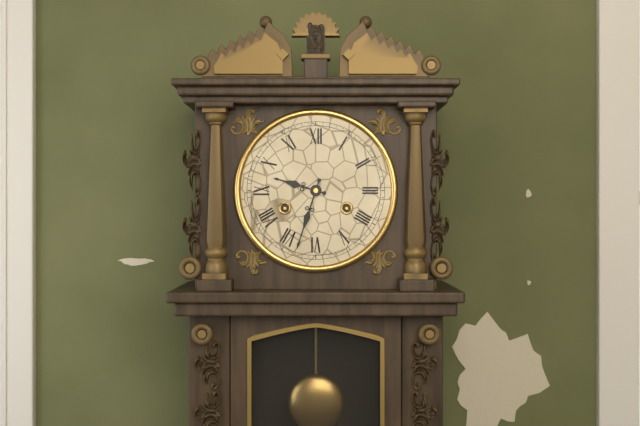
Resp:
**9:33**
